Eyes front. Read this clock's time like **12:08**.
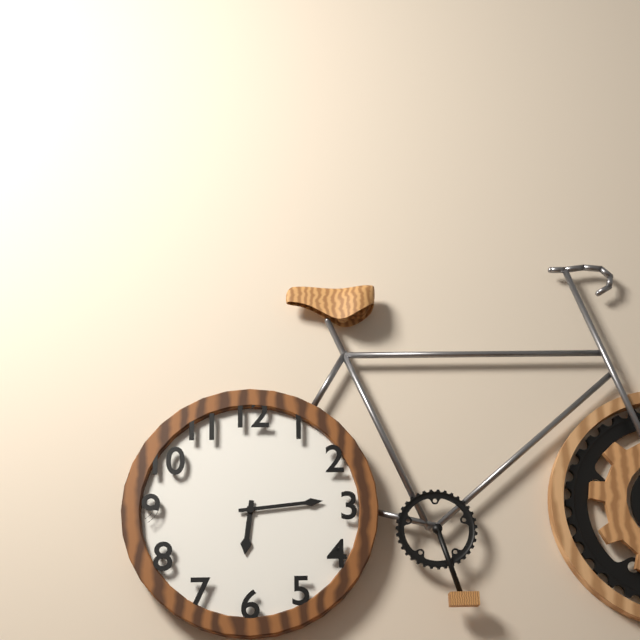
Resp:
**6:14**
